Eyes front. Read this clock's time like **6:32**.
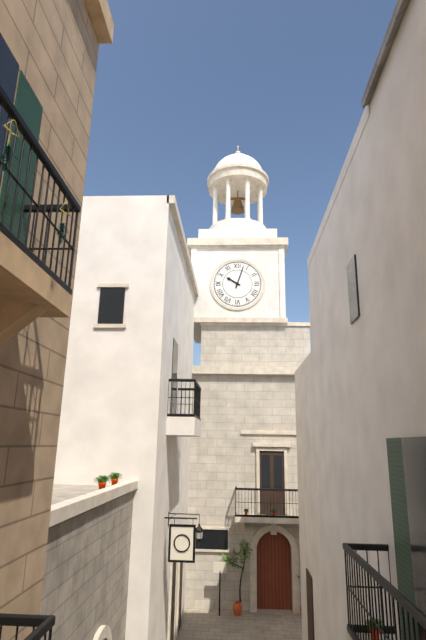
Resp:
**10:03**
